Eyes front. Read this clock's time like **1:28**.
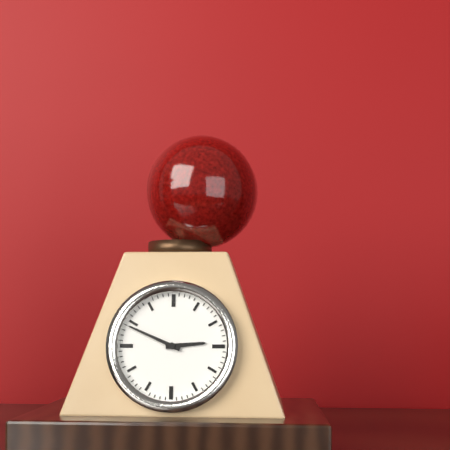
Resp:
**2:49**
